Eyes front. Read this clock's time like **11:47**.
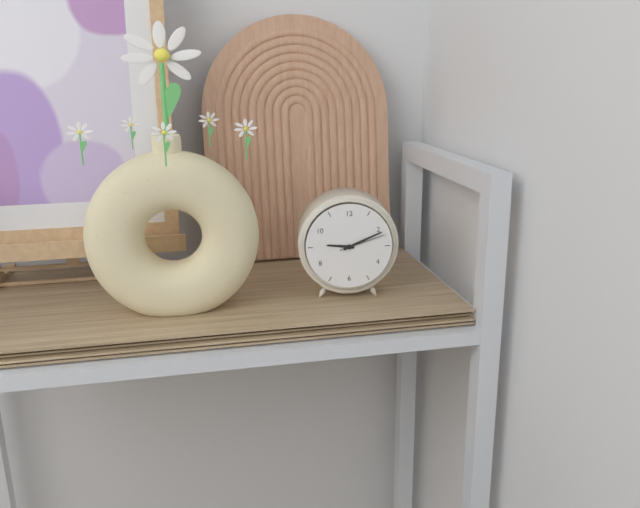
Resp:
**9:11**
